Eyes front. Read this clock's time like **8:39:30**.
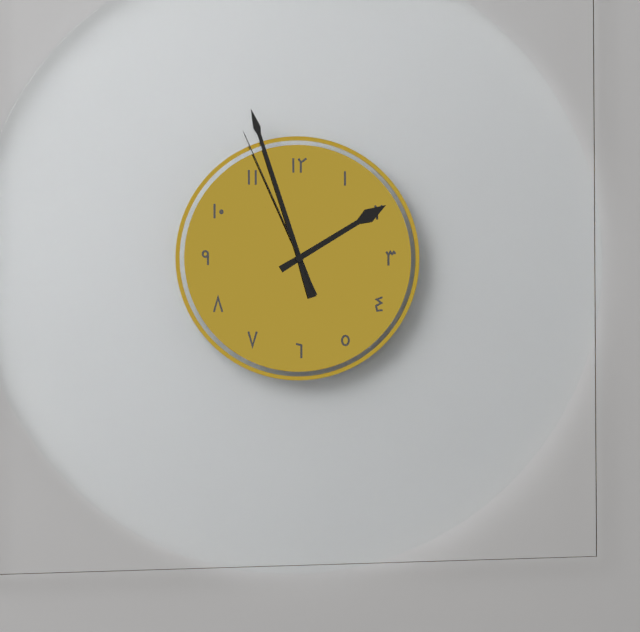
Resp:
**1:57:56**
